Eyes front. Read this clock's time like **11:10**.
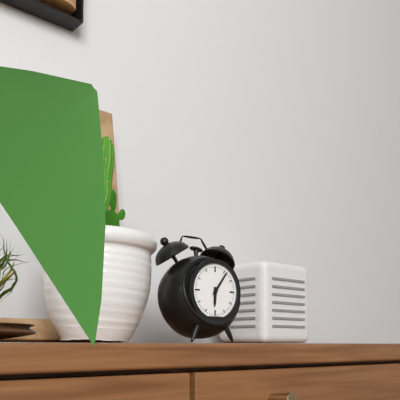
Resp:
**6:06**
